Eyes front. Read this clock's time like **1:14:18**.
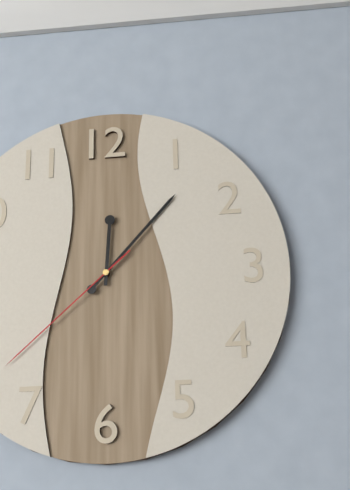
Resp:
**12:07:38**
